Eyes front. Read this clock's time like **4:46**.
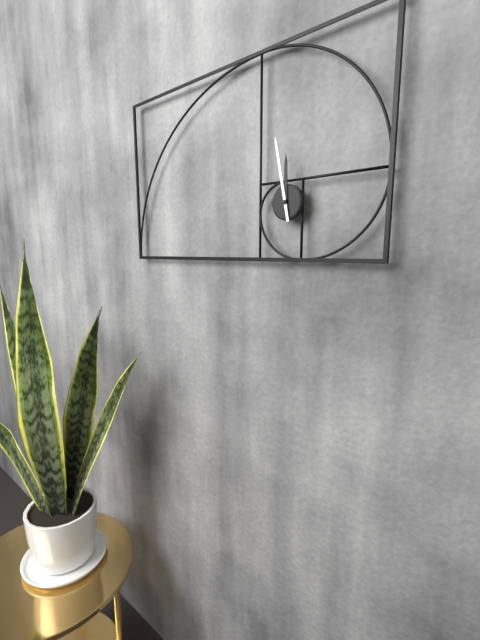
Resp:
**11:58**
